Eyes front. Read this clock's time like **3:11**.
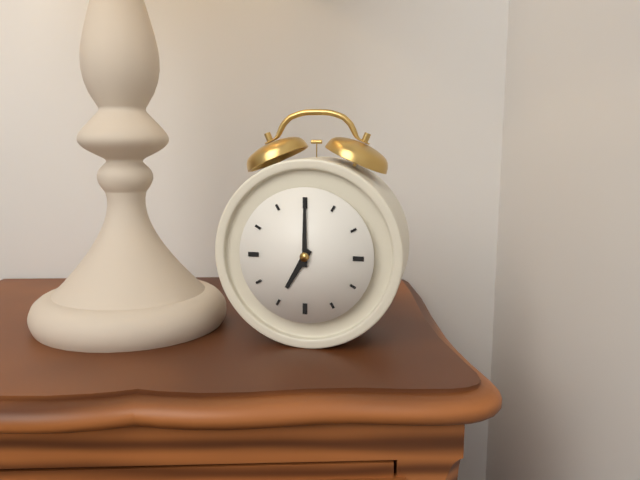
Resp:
**7:00**
